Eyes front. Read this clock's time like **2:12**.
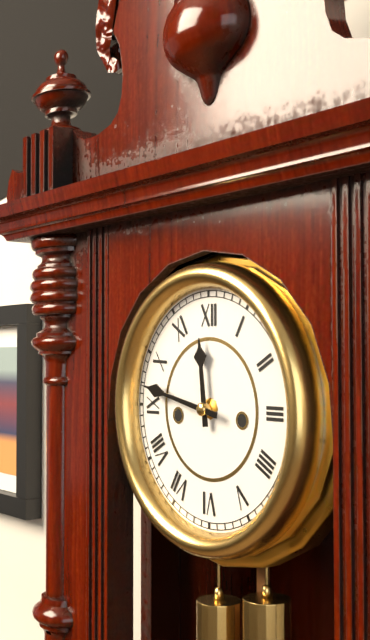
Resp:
**11:47**
